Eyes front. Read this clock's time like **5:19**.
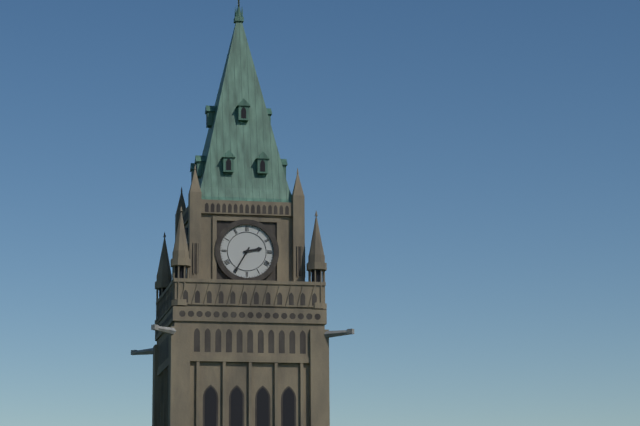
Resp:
**2:35**
